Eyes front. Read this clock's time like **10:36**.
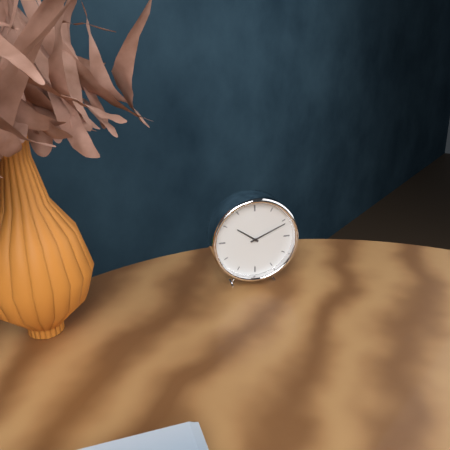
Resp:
**10:11**
